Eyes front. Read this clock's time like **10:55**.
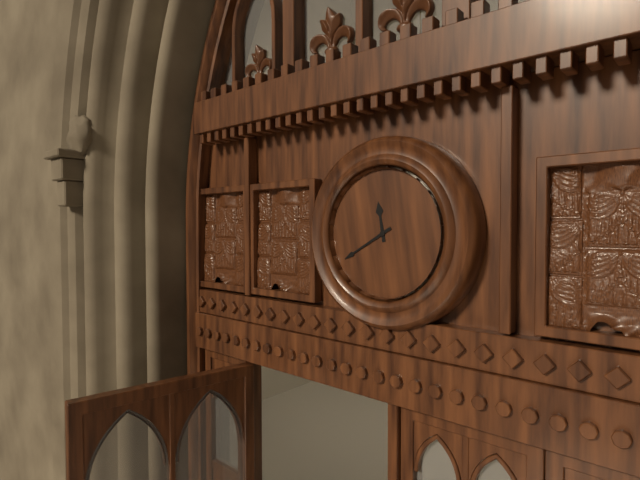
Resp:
**11:40**
